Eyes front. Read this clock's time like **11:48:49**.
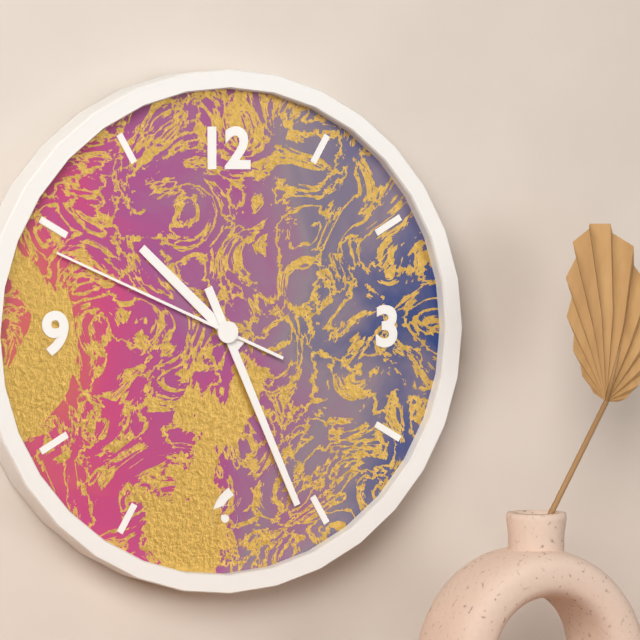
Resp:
**10:26:49**
